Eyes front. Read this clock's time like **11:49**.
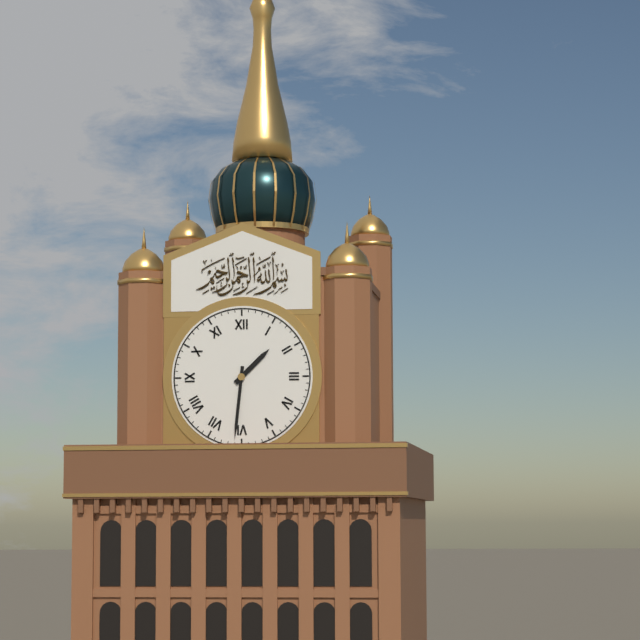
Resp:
**1:31**
